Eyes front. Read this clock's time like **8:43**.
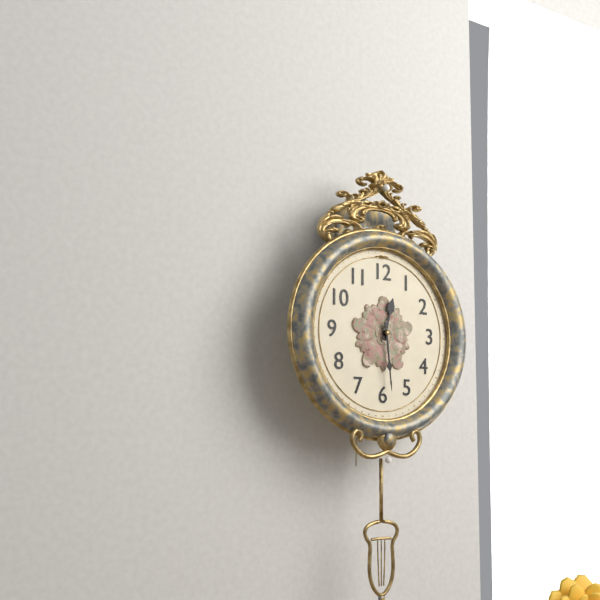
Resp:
**12:29**
